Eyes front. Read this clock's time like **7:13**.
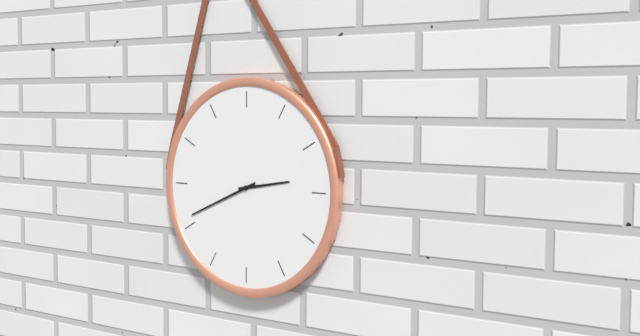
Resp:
**2:41**
